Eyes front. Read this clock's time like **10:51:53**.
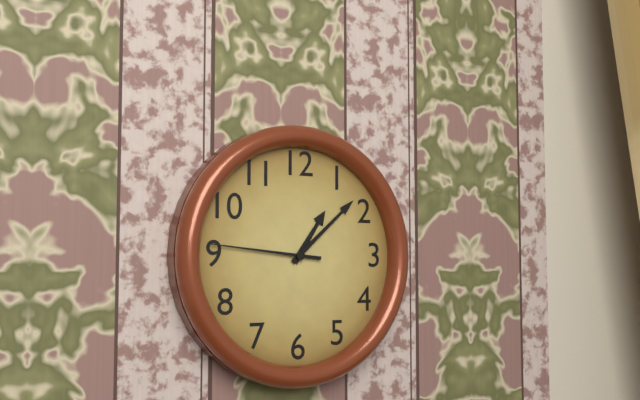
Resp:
**1:08:46**
